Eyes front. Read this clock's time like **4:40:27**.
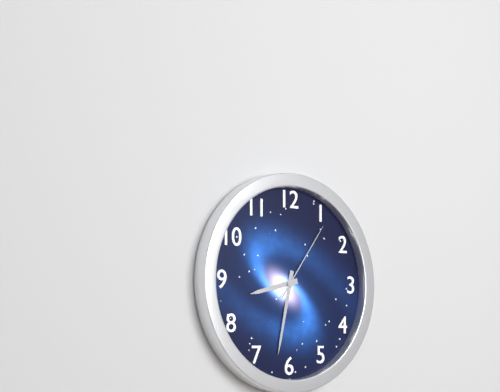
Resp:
**8:32:06**
